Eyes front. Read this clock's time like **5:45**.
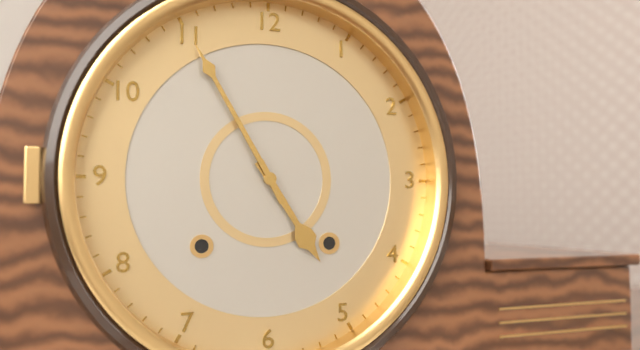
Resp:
**4:55**
